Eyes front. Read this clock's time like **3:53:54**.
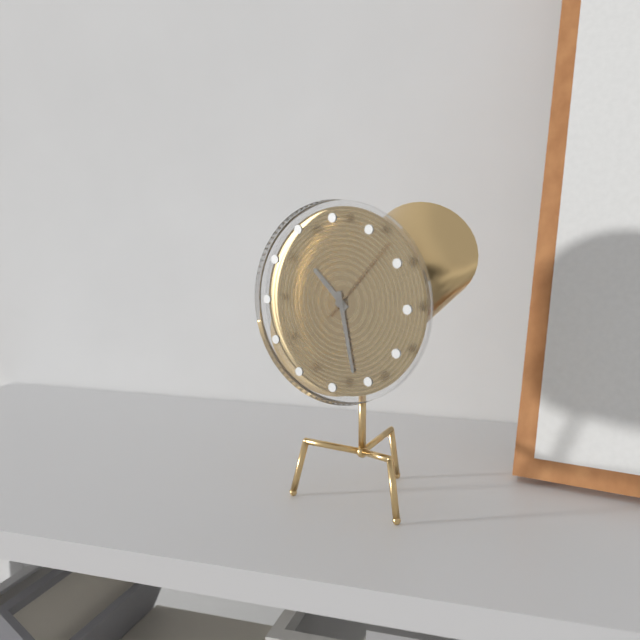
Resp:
**10:28:07**
